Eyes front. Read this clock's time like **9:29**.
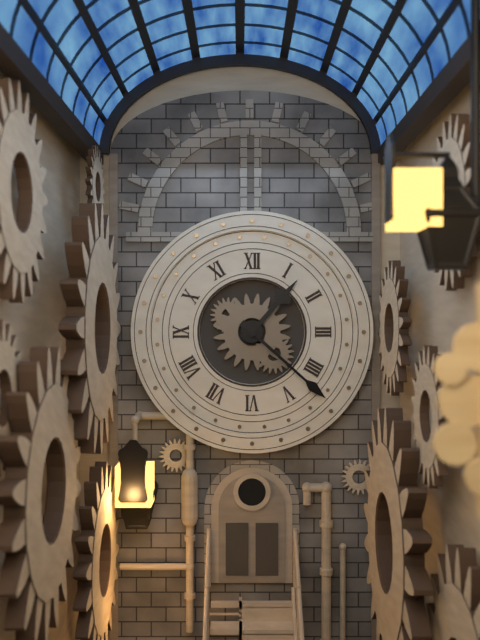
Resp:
**1:22**
